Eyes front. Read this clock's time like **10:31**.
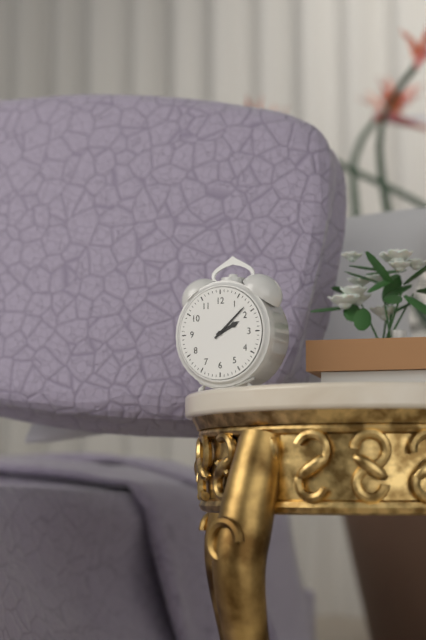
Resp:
**2:08**
